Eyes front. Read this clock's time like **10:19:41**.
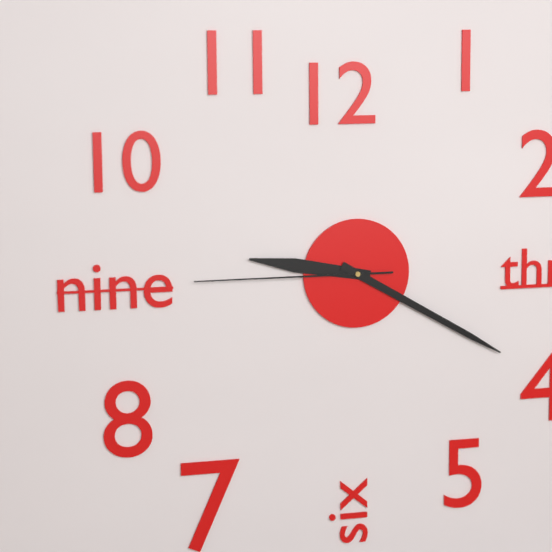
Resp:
**9:20:45**
